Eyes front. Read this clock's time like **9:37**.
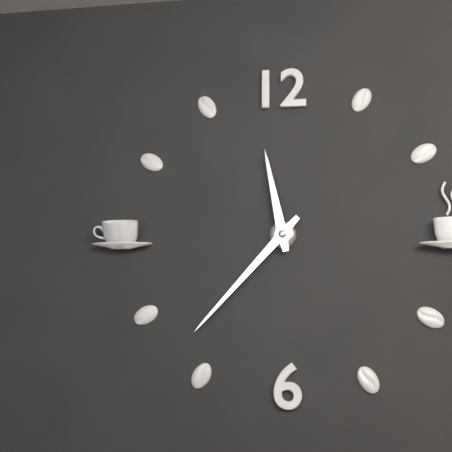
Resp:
**11:37**
